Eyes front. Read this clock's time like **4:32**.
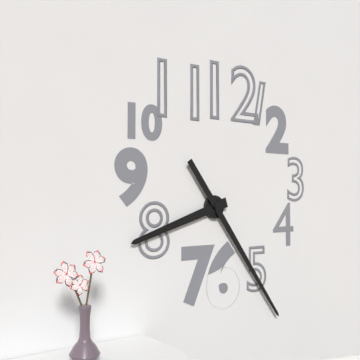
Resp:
**8:24**
